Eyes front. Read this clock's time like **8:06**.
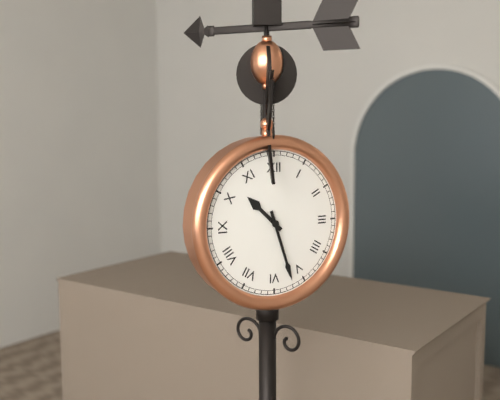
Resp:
**10:27**
